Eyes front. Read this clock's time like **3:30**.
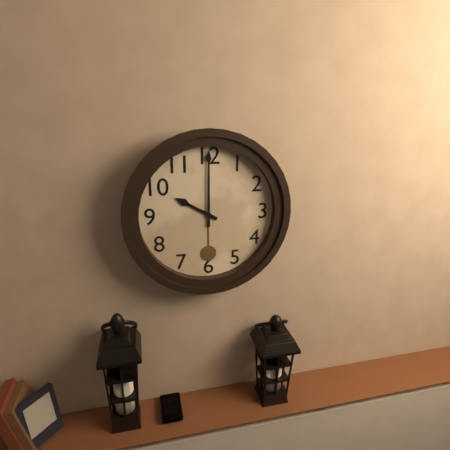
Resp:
**10:00**
